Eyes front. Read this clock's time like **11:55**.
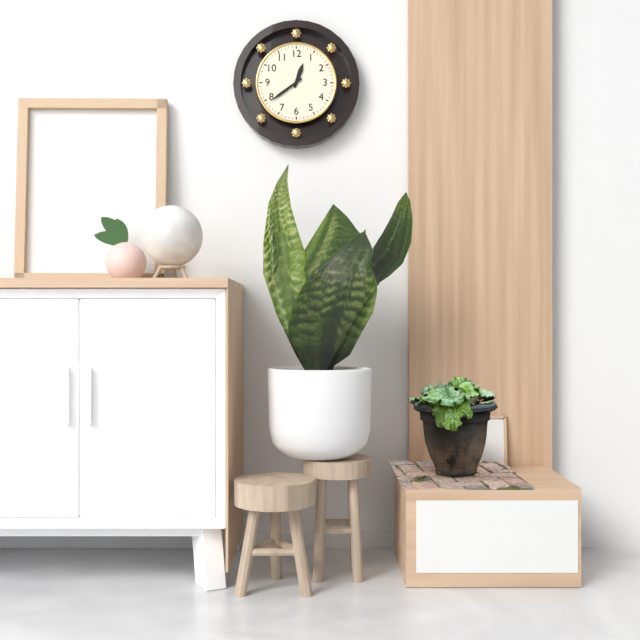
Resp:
**12:39**
